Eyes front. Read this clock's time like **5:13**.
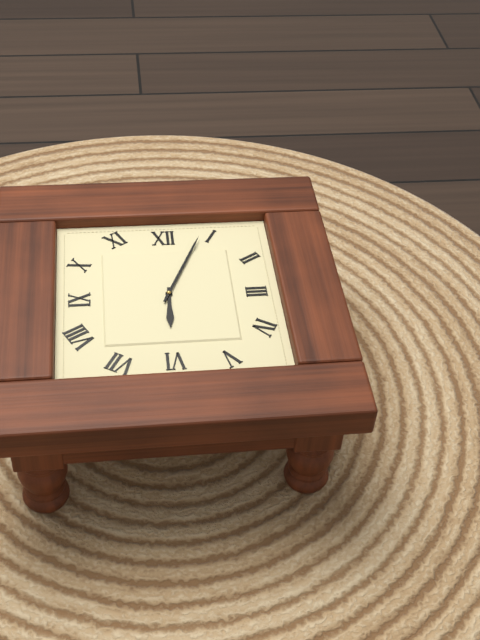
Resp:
**6:04**
